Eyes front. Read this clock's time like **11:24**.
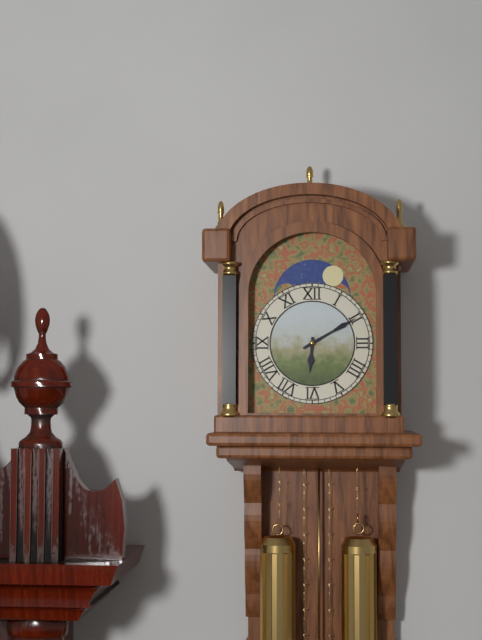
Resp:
**6:10**
